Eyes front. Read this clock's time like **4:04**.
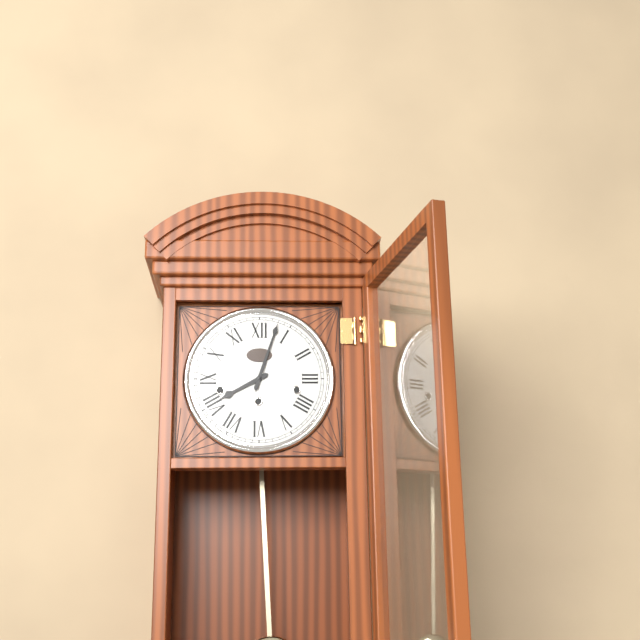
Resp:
**8:03**
